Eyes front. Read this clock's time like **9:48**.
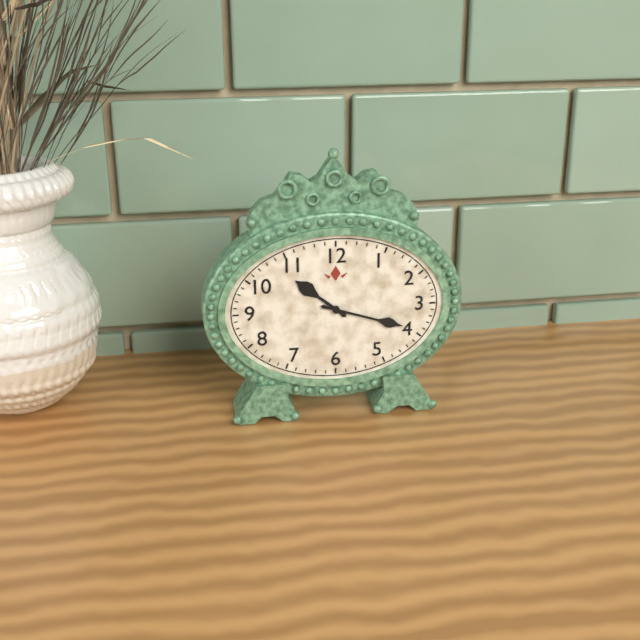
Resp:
**10:18**
